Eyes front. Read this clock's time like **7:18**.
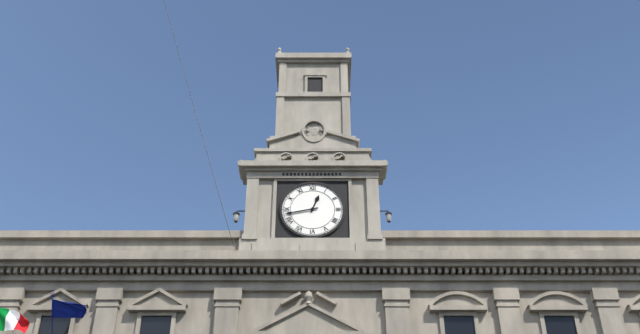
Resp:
**12:43**
